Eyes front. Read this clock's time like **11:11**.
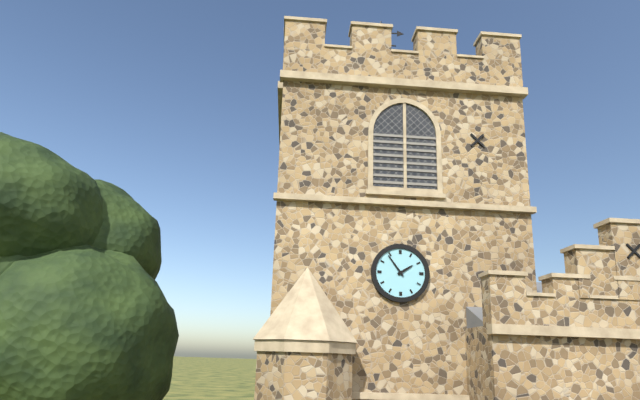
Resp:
**1:54**
